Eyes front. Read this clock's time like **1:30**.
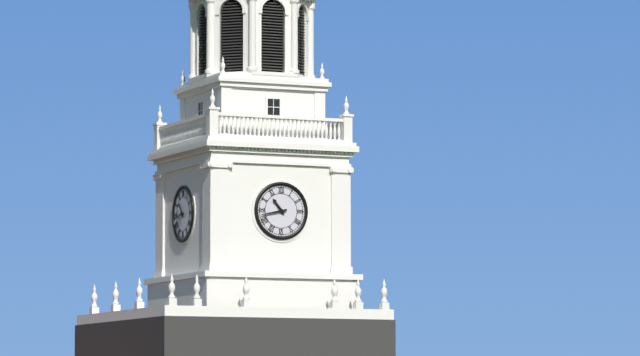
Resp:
**10:43**
